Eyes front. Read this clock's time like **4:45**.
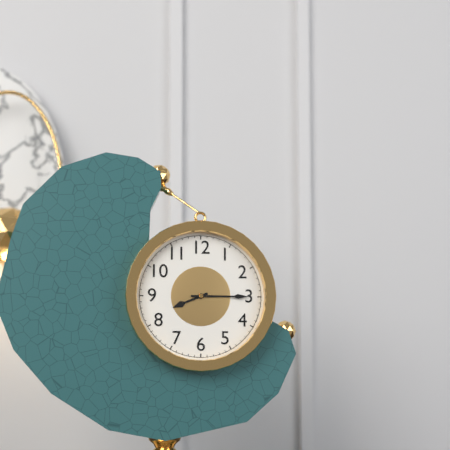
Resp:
**8:15**
